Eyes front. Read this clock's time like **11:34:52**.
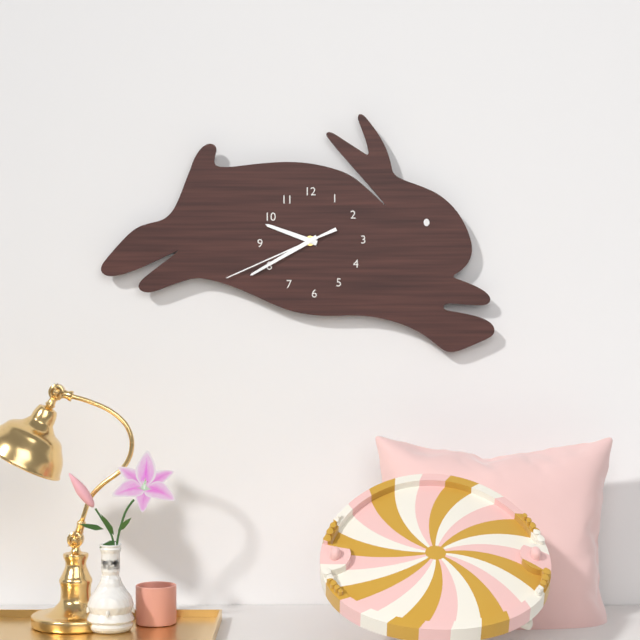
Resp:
**9:40:41**
